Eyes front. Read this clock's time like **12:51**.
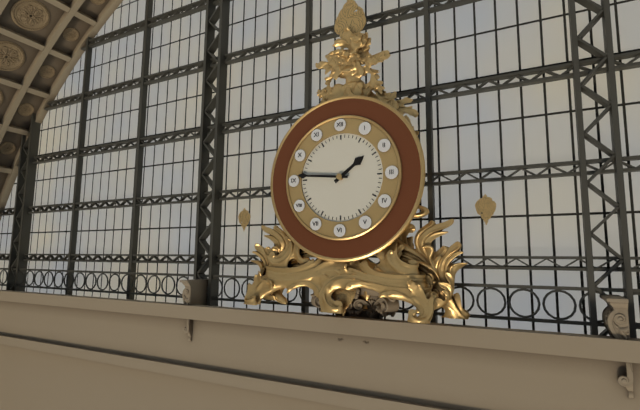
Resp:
**1:46**
